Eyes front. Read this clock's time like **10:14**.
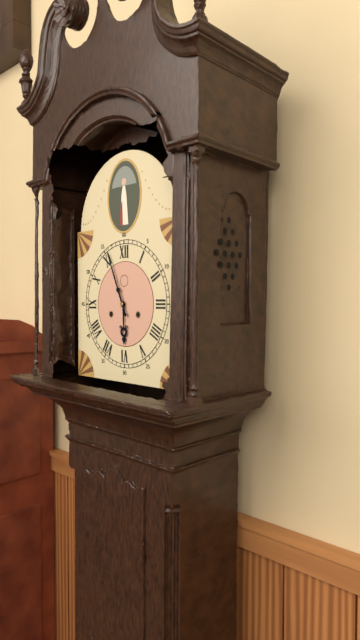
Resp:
**5:56**
